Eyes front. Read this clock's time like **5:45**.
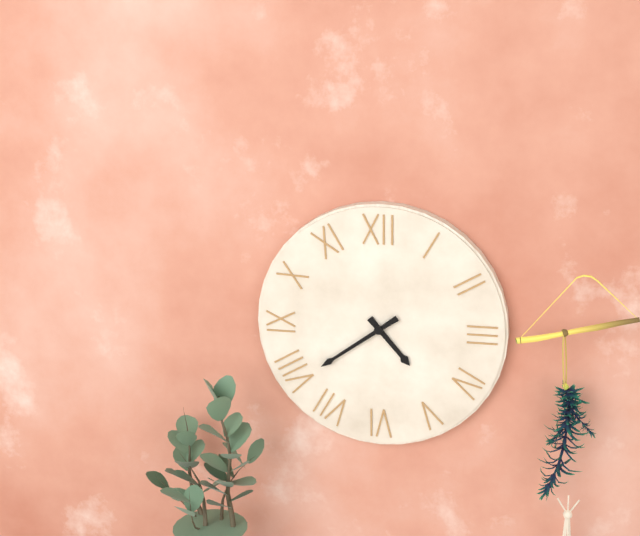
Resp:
**4:39**
